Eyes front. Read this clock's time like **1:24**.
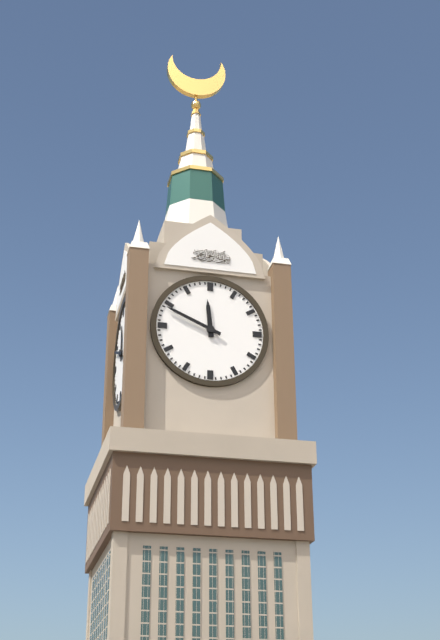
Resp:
**11:49**
